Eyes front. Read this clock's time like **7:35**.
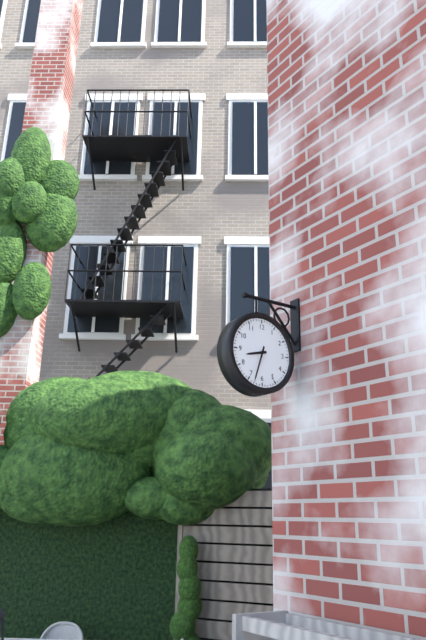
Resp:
**8:33**
